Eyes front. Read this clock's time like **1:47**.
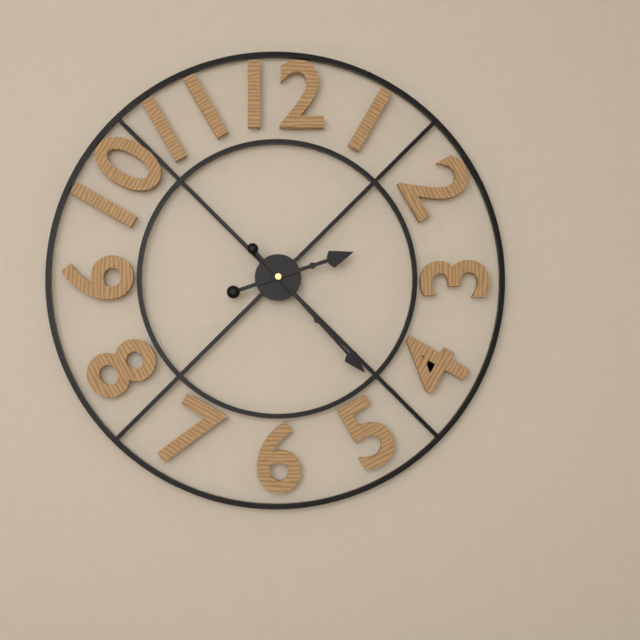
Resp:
**2:23**
